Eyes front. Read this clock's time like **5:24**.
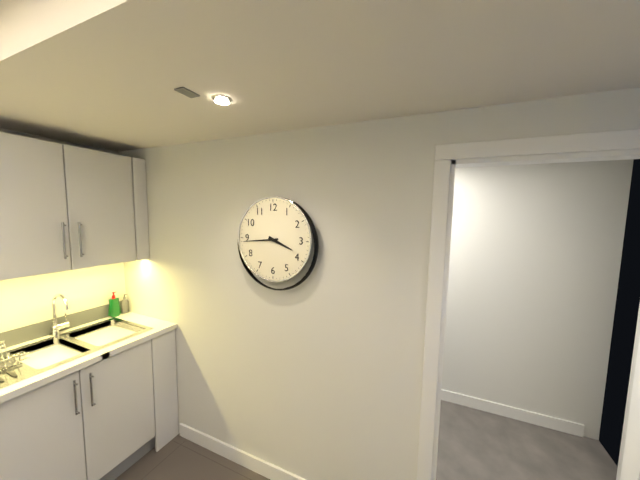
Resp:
**3:44**
